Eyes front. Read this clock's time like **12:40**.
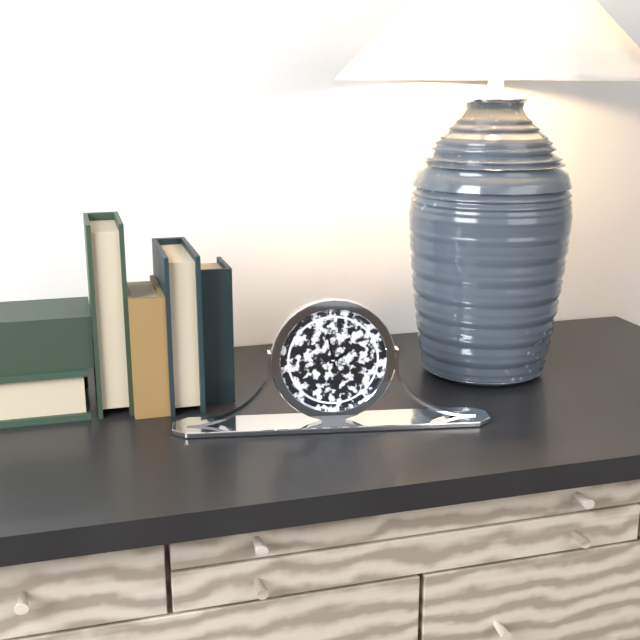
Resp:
**1:58**
